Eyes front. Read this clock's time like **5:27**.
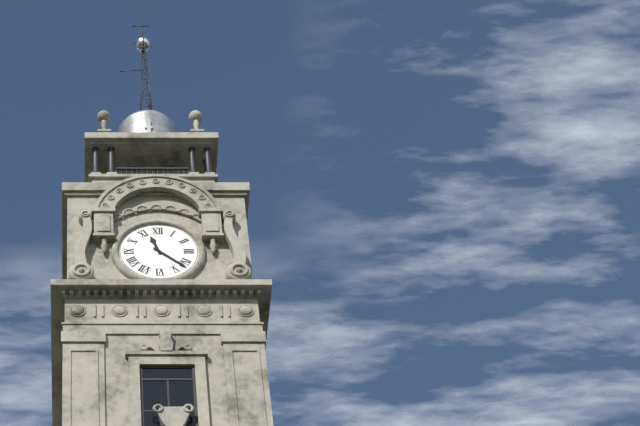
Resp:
**11:22**
